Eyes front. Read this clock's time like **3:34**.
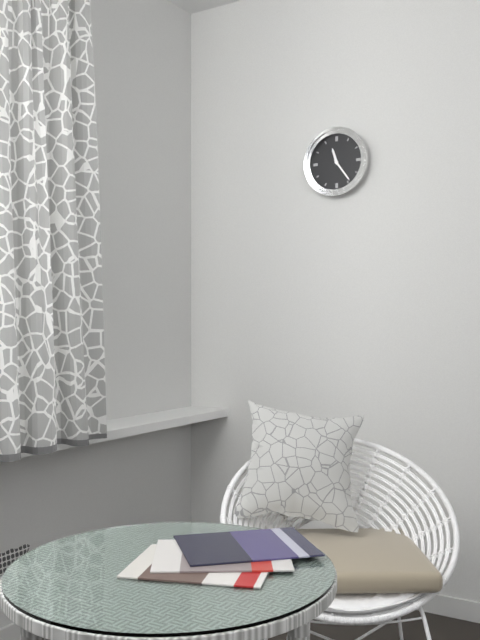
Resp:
**11:24**
